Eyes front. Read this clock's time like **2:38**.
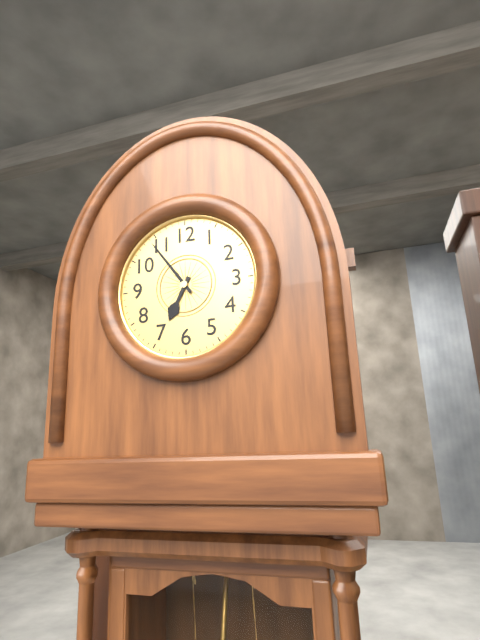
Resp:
**6:54**
